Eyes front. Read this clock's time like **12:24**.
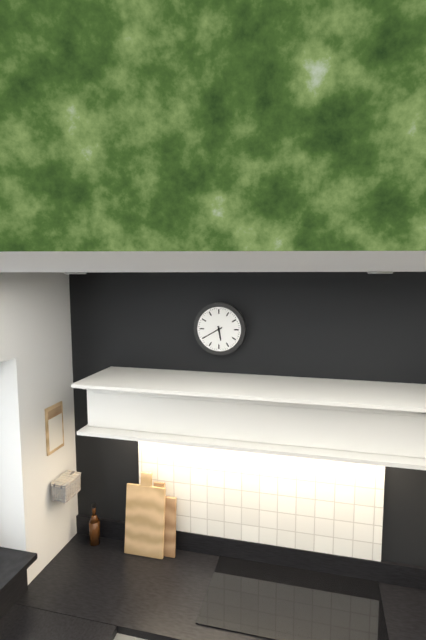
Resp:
**5:40**
